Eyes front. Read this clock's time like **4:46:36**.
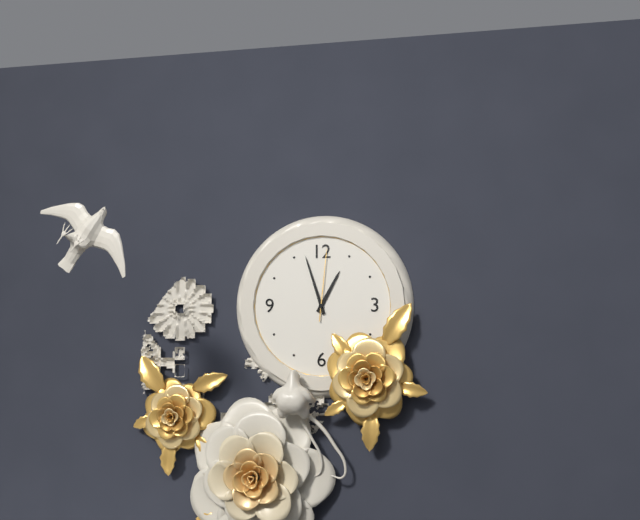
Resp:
**12:57:01**
